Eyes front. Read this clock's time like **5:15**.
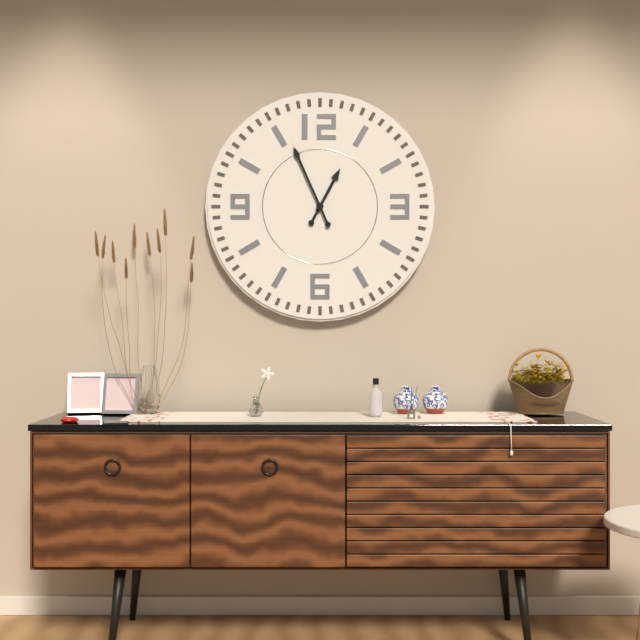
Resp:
**12:56**
